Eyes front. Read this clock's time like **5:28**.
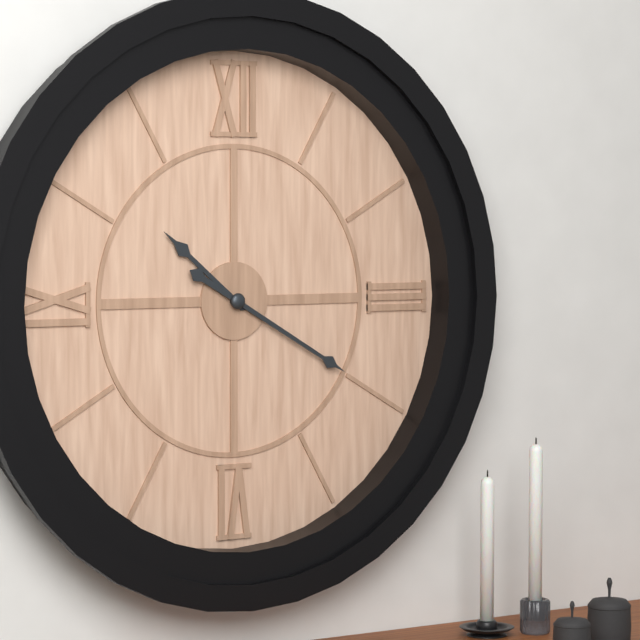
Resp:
**10:20**
